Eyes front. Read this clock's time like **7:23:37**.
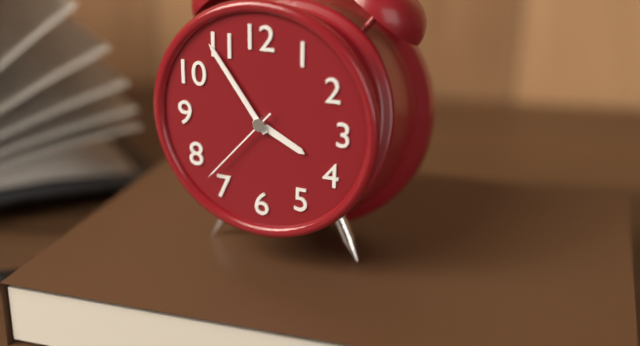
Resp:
**3:54:37**
